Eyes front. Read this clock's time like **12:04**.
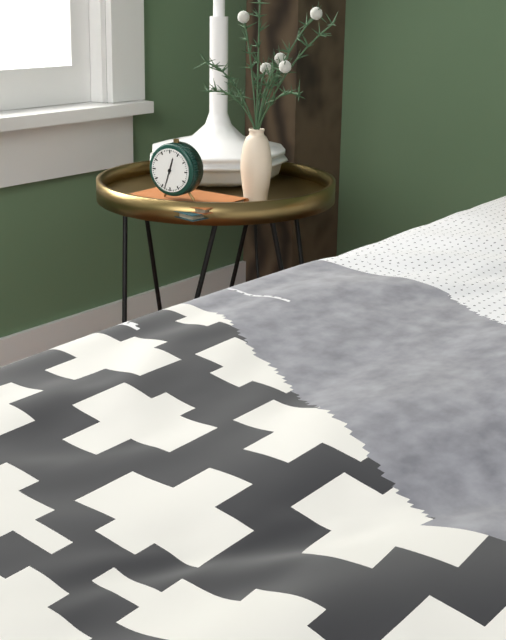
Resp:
**12:33**
